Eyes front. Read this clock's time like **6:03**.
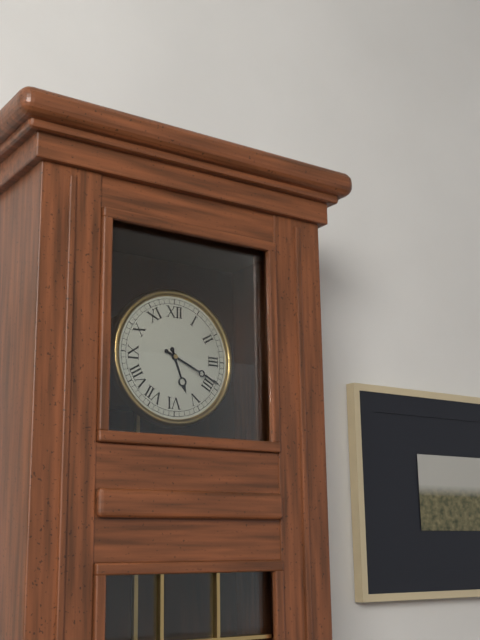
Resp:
**5:19**
